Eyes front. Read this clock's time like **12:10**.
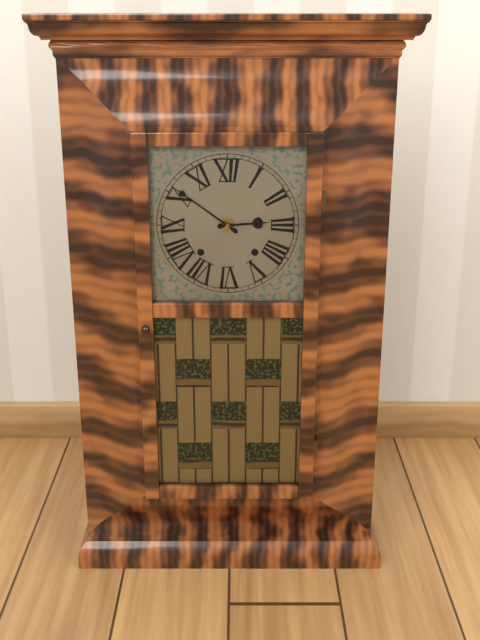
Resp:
**2:51**
